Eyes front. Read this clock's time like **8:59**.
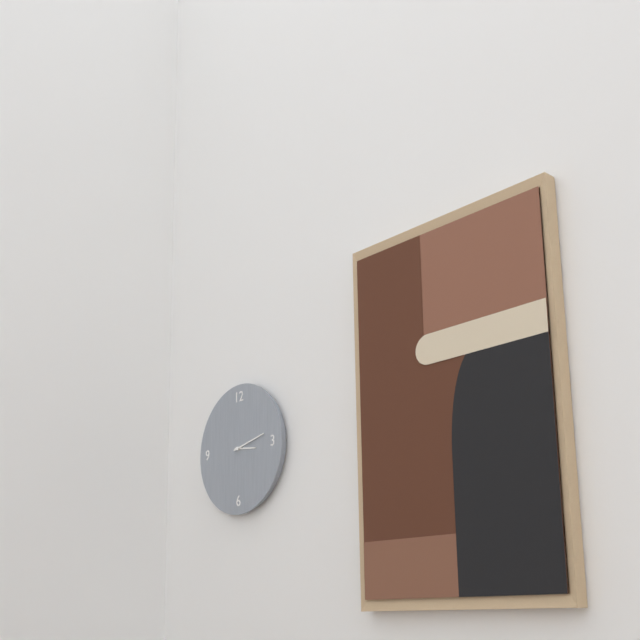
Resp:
**3:13**
